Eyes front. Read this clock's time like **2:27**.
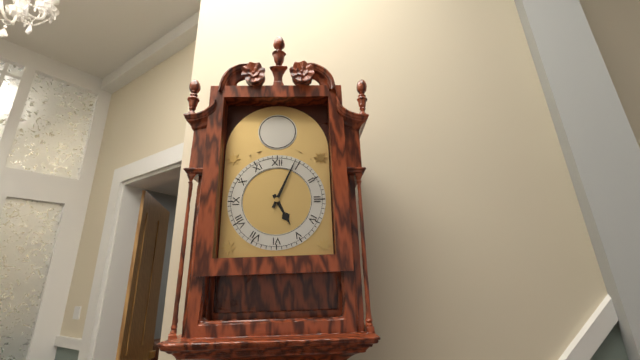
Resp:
**5:04**
